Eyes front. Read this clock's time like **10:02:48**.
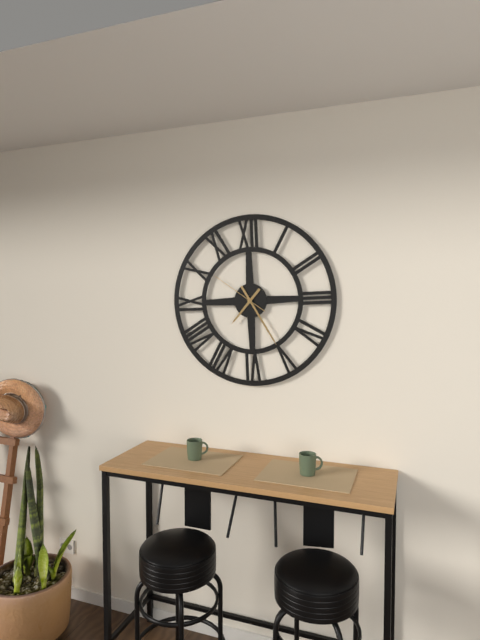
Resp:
**7:25:51**
